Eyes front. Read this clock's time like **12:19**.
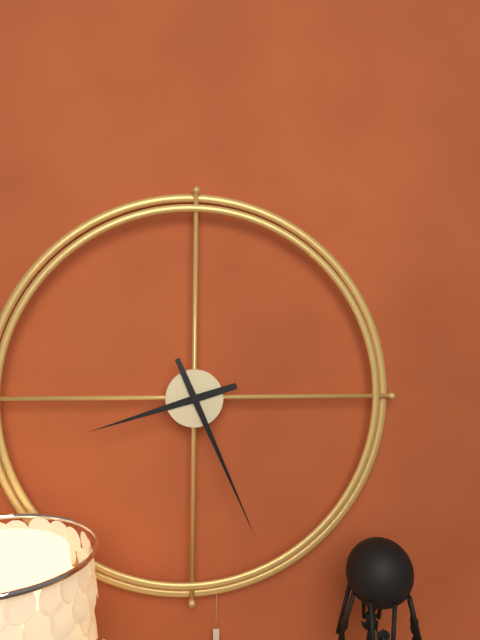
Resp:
**8:26**
